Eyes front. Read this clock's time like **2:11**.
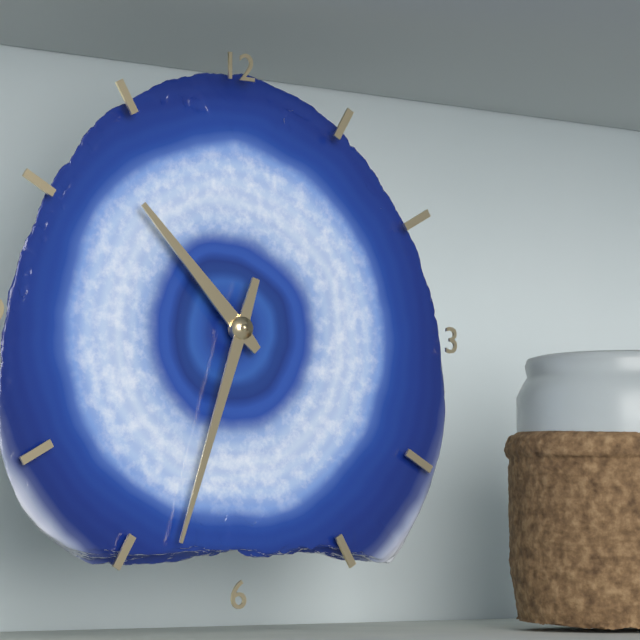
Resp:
**10:33**
